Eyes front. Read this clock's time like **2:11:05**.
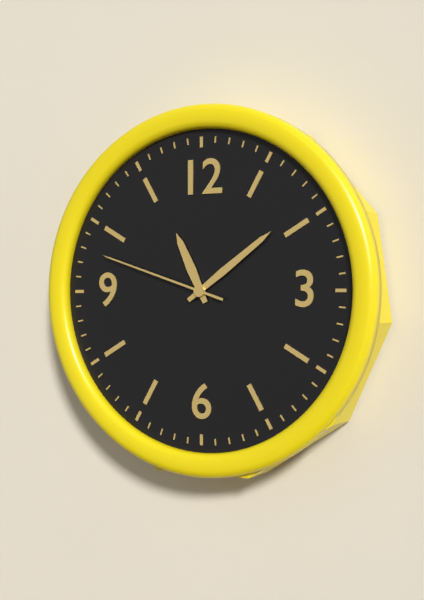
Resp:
**11:09:48**
